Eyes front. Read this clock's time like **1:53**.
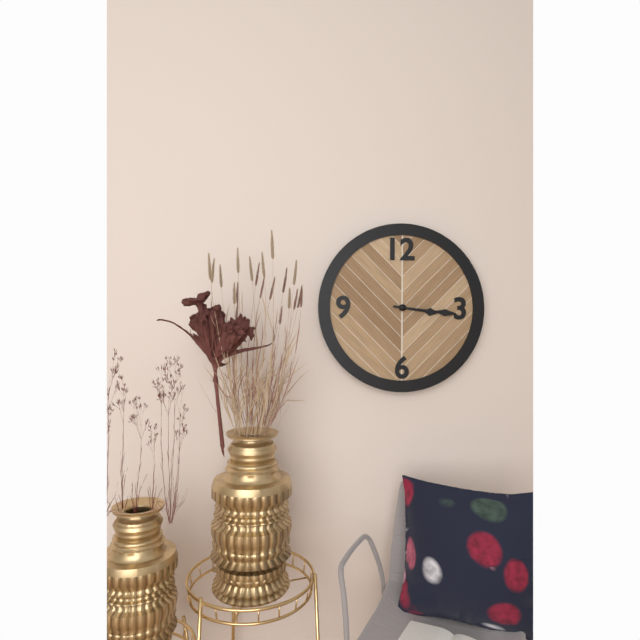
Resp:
**3:16**
